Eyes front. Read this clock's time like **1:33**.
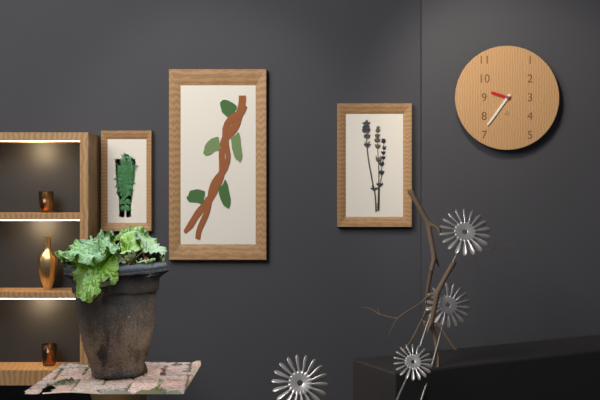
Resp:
**9:36**
